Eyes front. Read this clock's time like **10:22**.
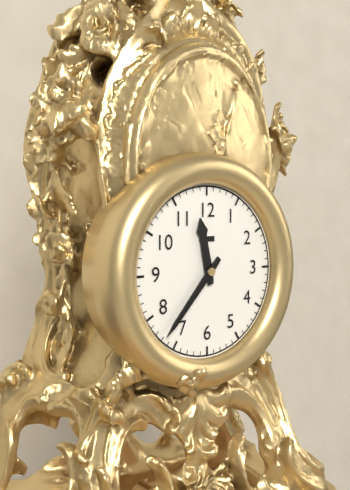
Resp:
**11:37**
